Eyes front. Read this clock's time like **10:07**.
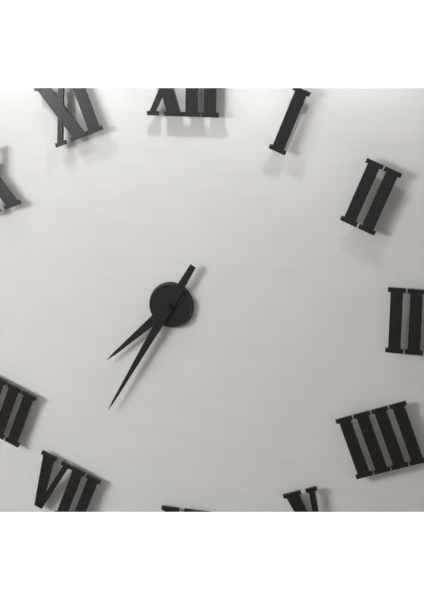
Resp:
**7:35**
